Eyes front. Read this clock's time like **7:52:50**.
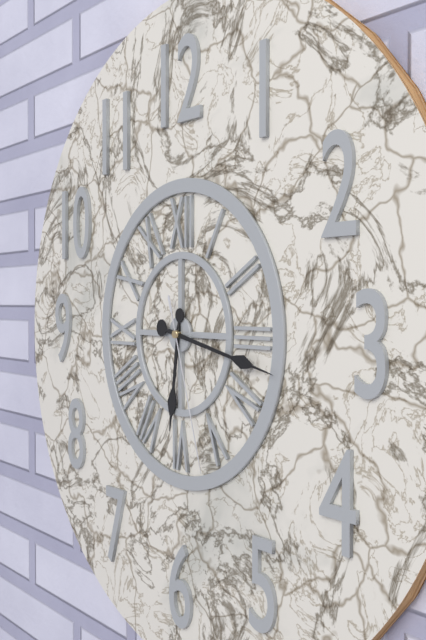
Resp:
**6:17:27**
